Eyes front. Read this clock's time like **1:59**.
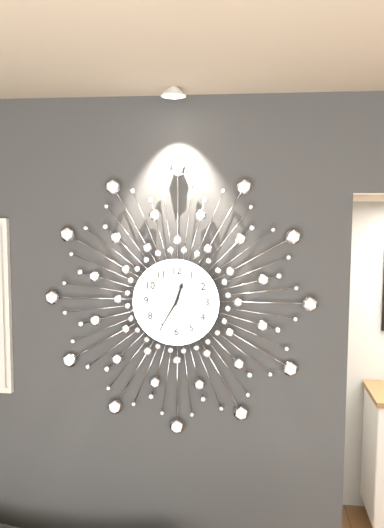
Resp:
**12:35**
